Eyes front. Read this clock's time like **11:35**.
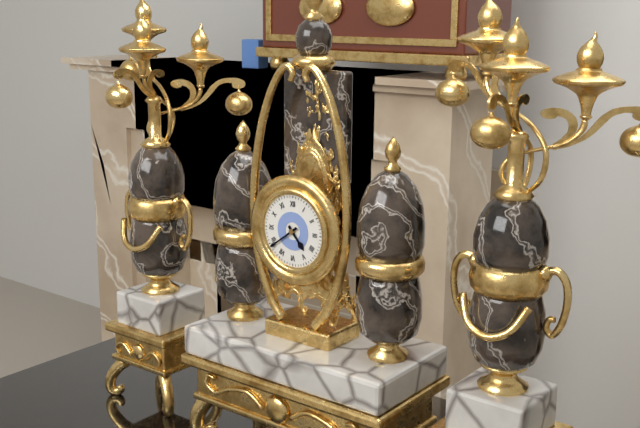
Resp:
**4:39**
